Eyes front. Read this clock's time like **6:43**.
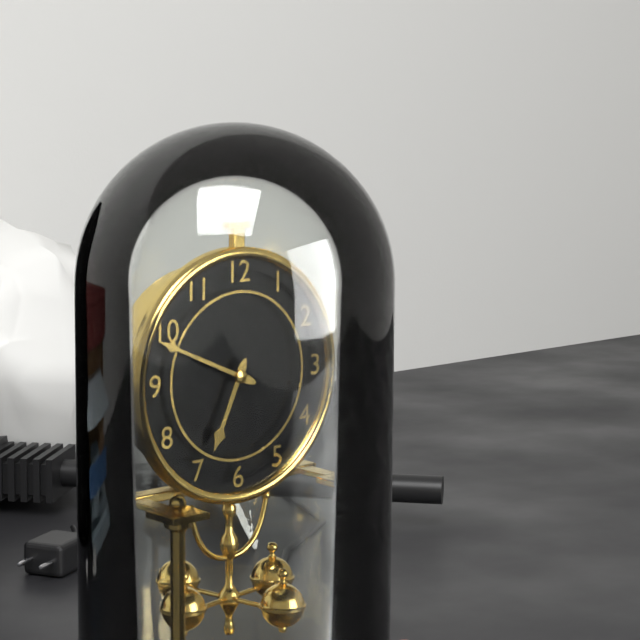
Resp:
**6:49**
